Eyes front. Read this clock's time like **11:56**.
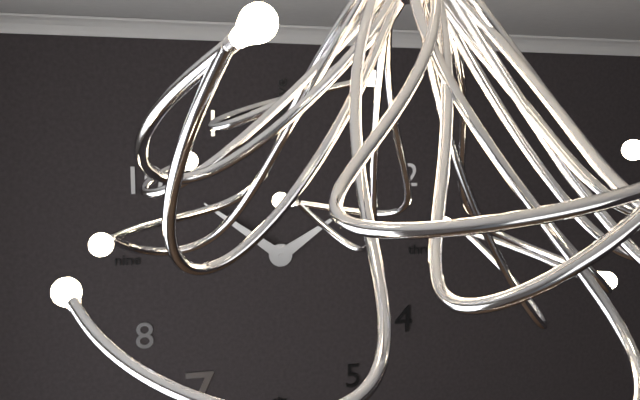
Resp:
**1:51**
